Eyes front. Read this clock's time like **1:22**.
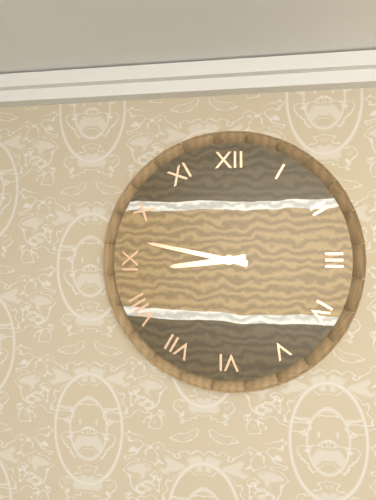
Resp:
**8:47**
